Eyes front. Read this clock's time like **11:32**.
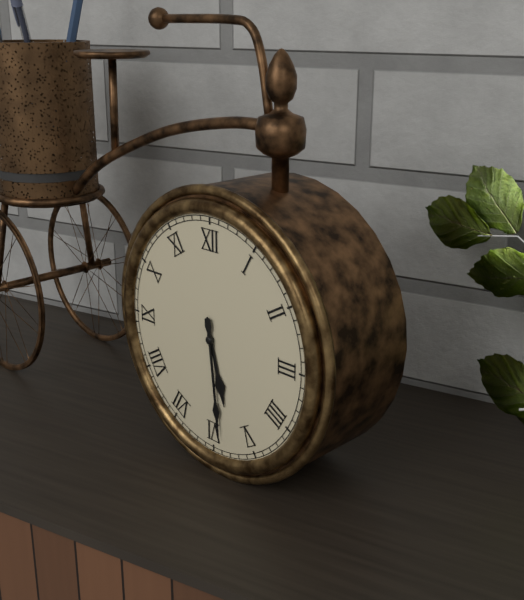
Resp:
**5:29**
